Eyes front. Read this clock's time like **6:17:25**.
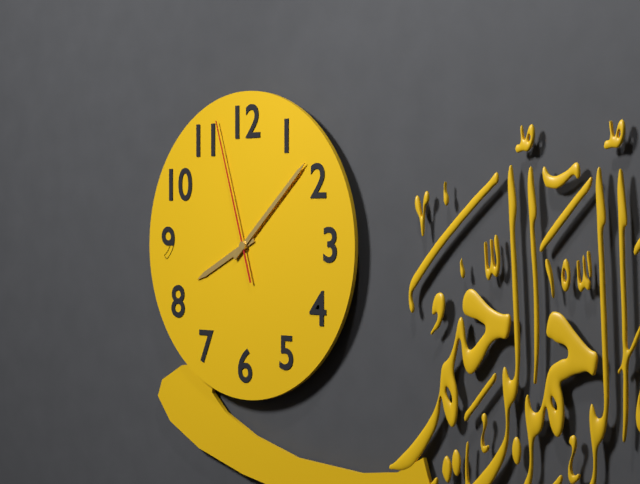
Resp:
**8:08:57**
